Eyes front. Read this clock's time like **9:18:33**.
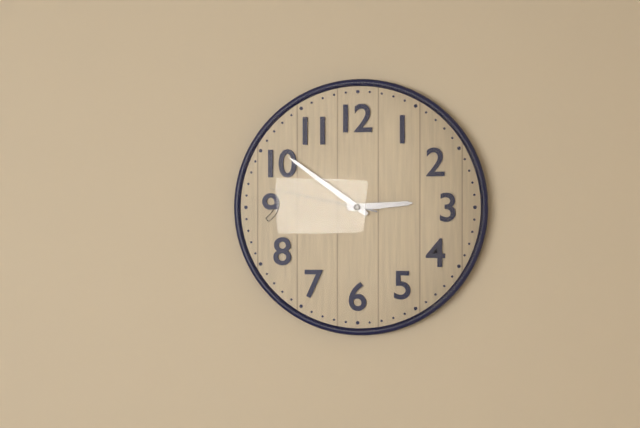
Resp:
**2:51:47**
